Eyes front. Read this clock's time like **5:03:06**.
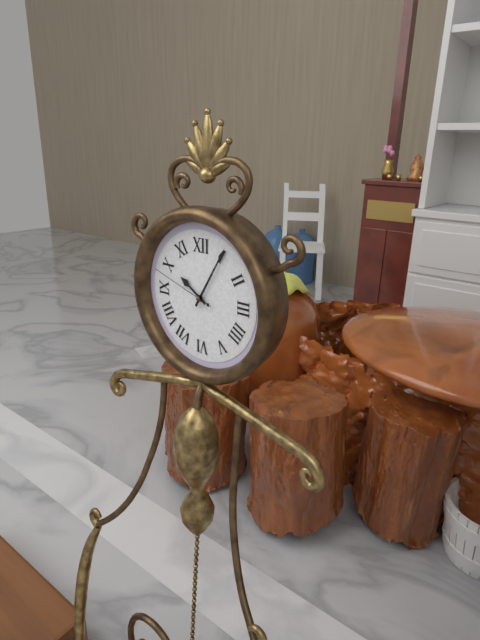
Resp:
**10:05:48**
